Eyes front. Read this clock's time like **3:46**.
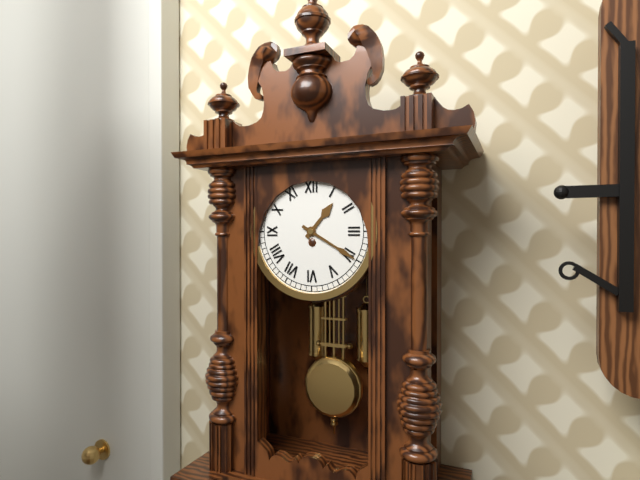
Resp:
**1:20**
